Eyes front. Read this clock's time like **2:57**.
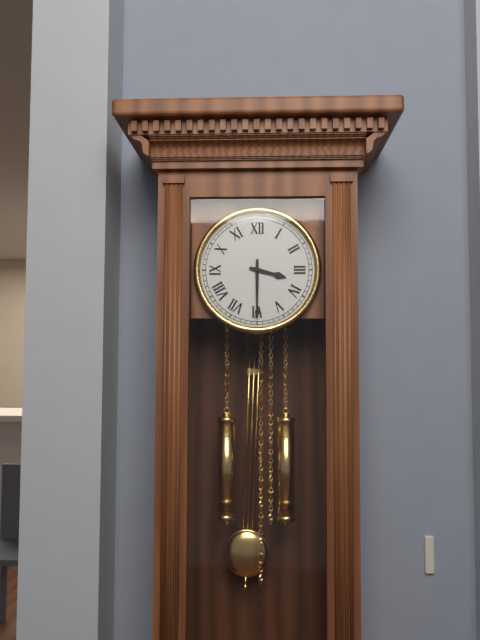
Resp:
**3:30**
